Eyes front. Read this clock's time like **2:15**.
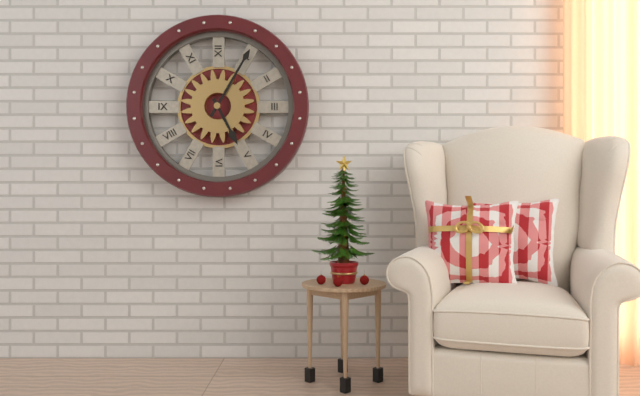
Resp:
**5:05**
